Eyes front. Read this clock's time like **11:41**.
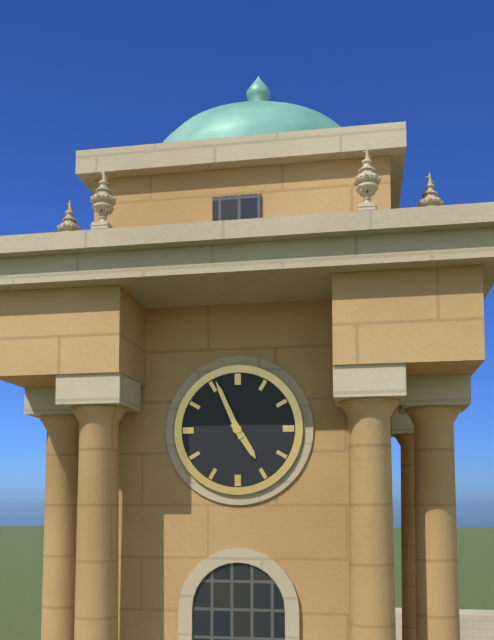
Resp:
**4:56**
